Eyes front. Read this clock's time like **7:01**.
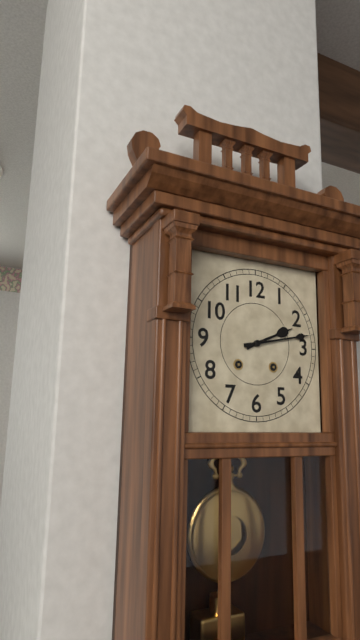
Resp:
**2:13**
